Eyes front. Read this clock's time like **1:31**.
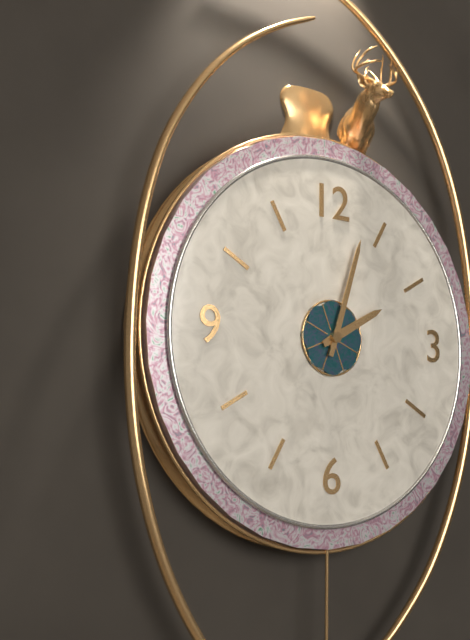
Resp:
**2:03**
